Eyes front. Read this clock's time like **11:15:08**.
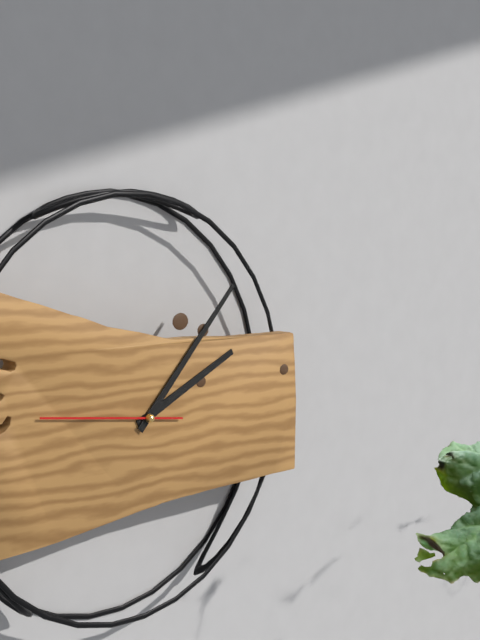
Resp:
**2:07:46**
